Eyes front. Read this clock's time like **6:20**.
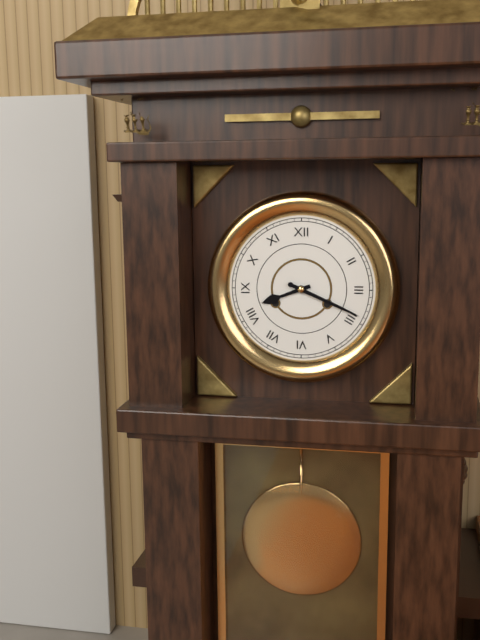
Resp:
**8:19**
